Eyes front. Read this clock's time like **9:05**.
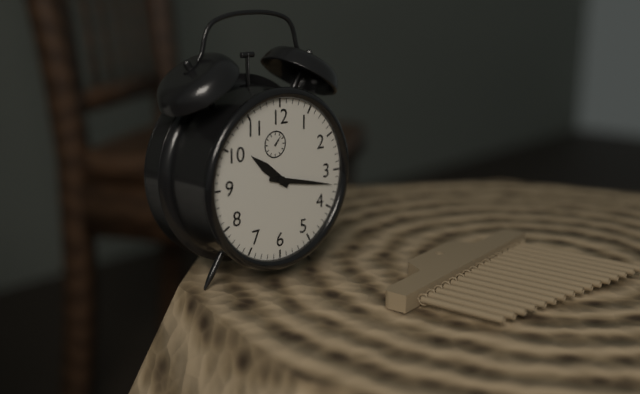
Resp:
**10:17**
